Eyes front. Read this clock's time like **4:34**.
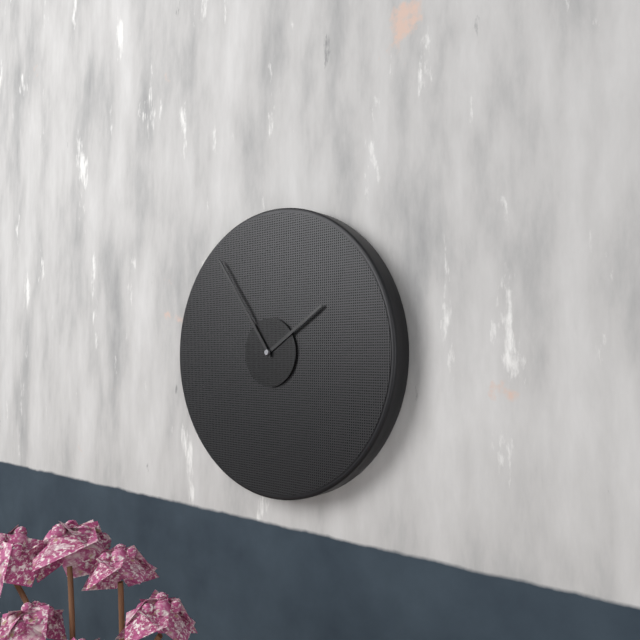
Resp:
**1:54**
